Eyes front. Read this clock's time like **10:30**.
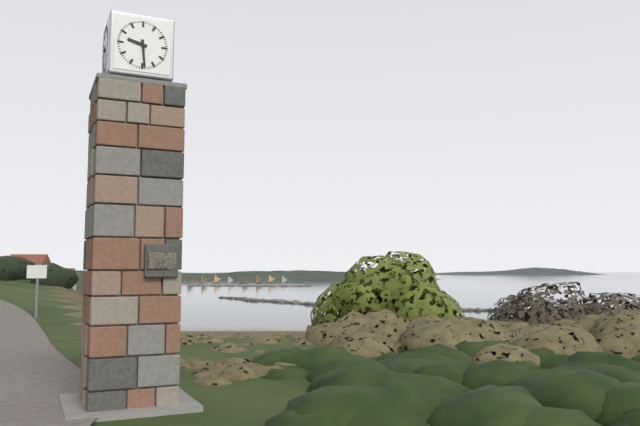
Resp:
**9:29**
